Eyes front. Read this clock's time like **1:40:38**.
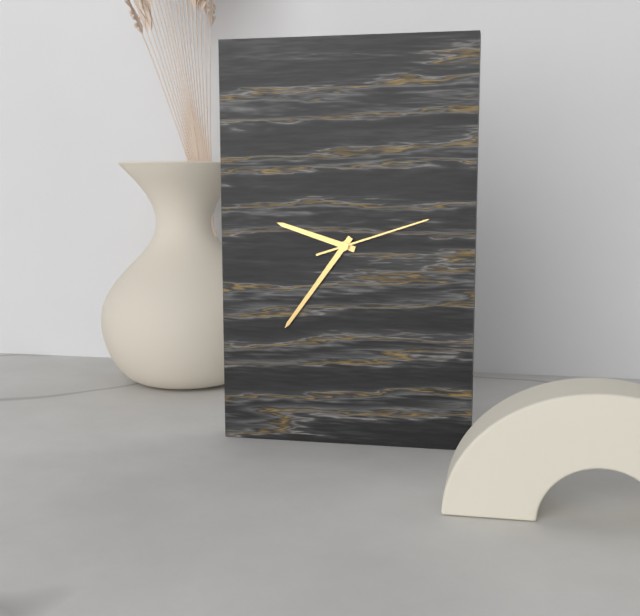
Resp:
**9:36:12**
